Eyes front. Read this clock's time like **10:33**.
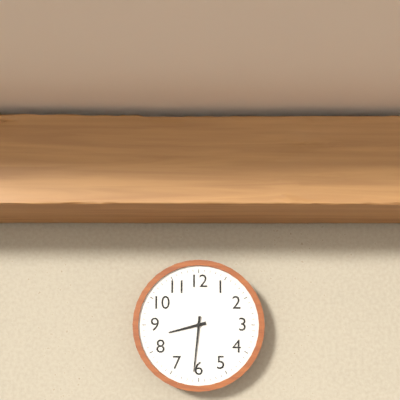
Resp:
**8:31**
